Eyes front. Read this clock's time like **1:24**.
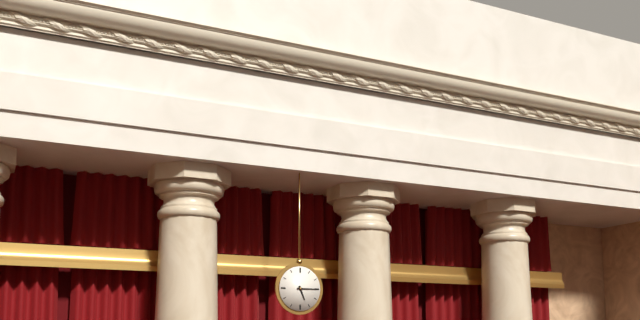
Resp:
**5:15**
